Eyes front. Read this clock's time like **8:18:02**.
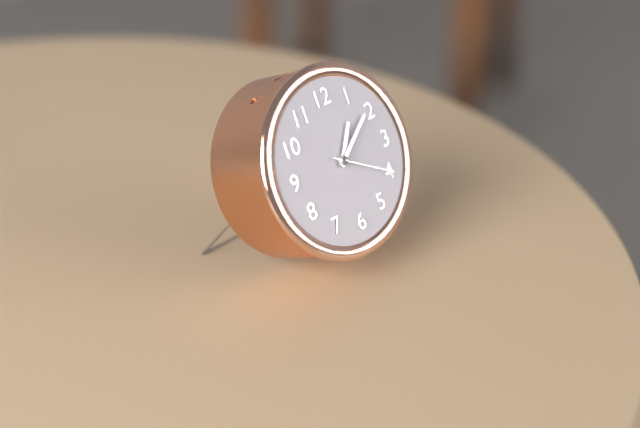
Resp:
**1:09:20**
